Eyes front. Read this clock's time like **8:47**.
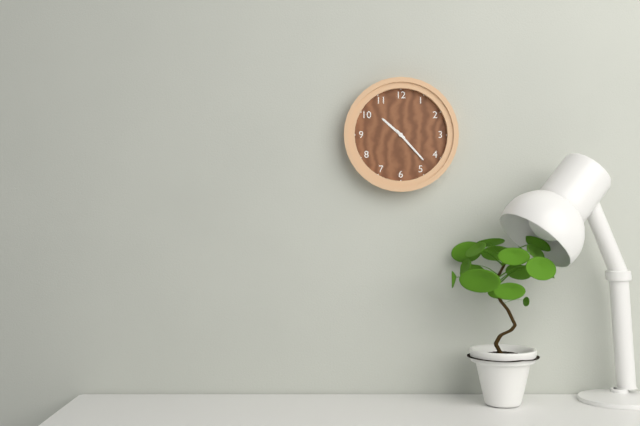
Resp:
**10:23**
